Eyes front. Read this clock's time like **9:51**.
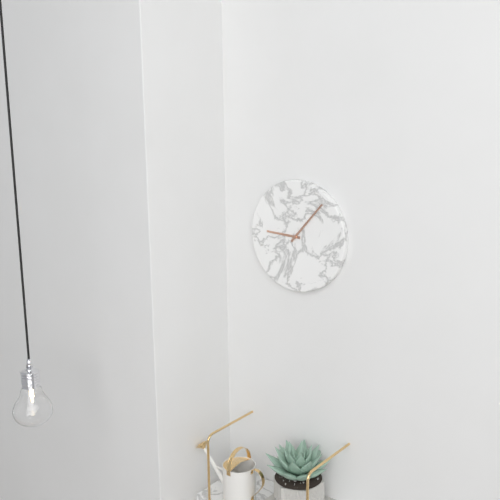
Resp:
**9:07**
